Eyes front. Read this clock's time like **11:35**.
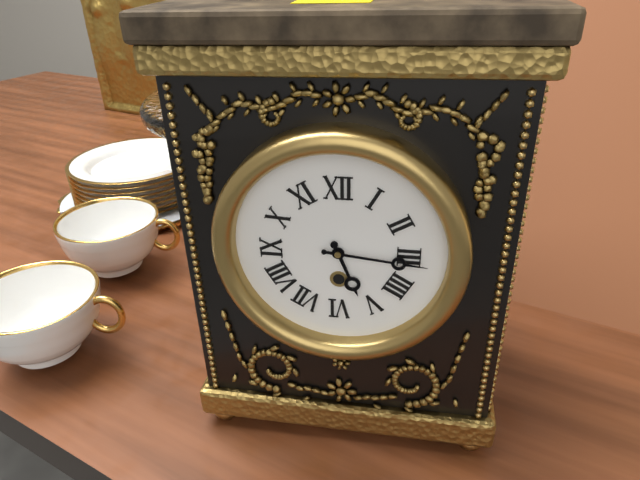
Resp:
**5:16**
